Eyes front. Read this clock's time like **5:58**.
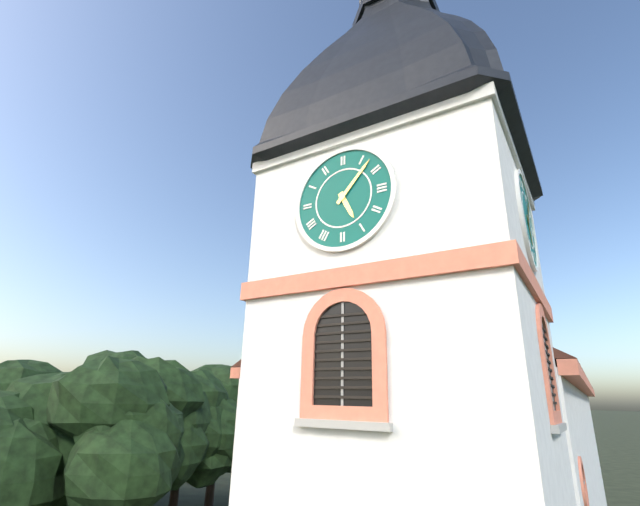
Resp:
**5:07**
